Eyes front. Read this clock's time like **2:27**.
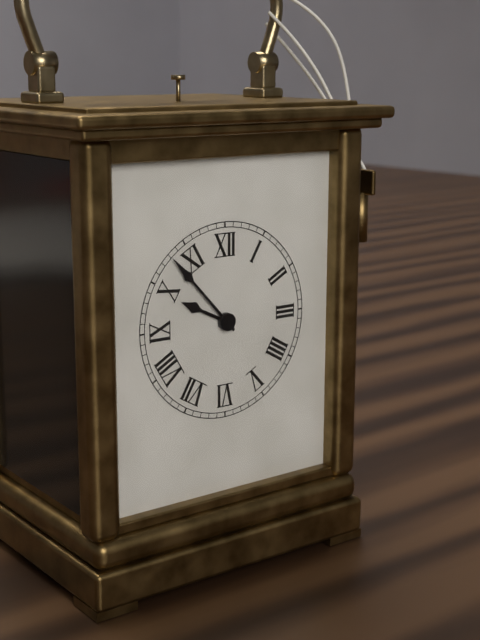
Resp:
**9:53**
